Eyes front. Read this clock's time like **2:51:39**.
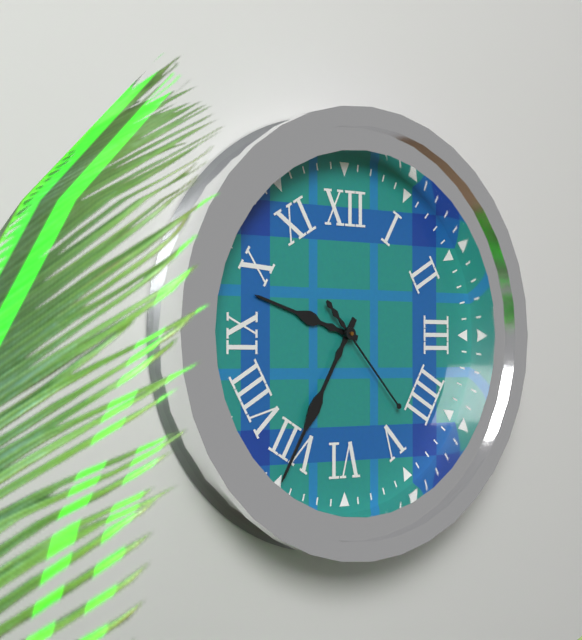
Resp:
**9:35:23**
